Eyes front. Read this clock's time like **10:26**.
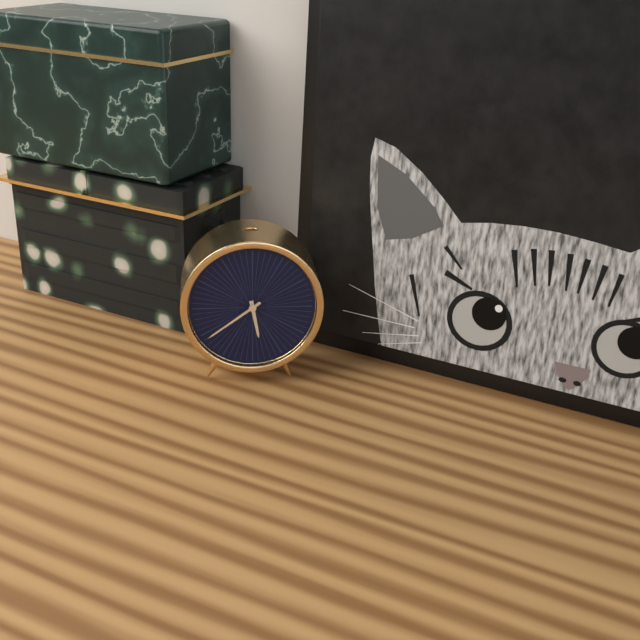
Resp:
**5:39**
